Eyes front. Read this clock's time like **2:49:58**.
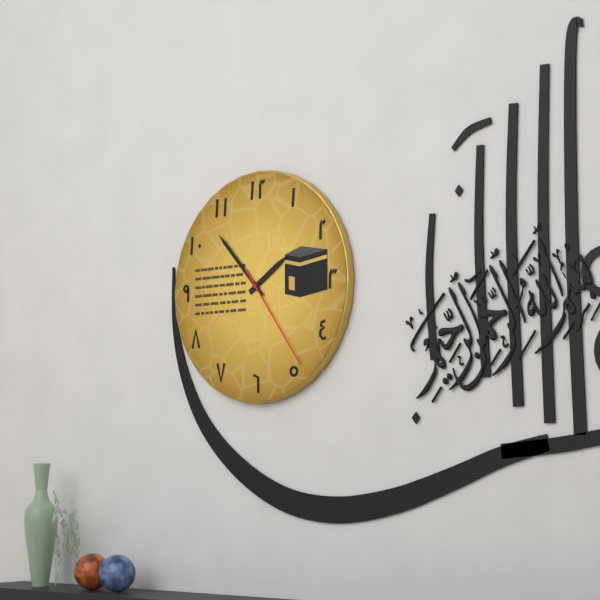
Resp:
**1:53:24**
